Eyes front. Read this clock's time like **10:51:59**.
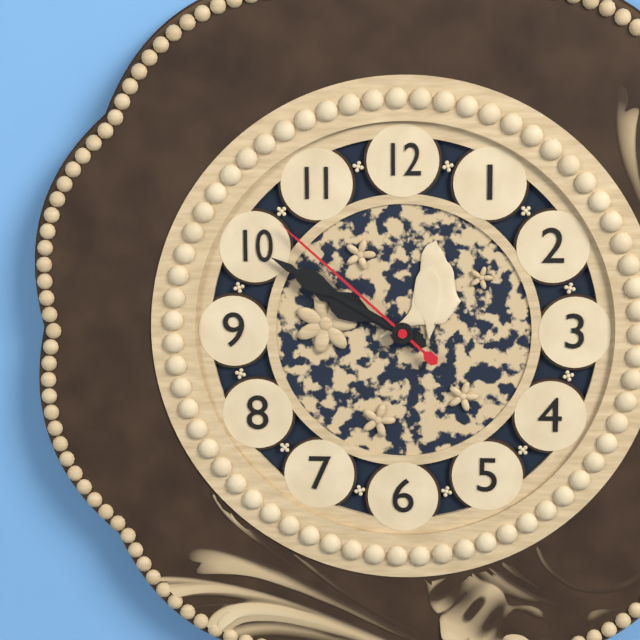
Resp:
**9:50:52**
